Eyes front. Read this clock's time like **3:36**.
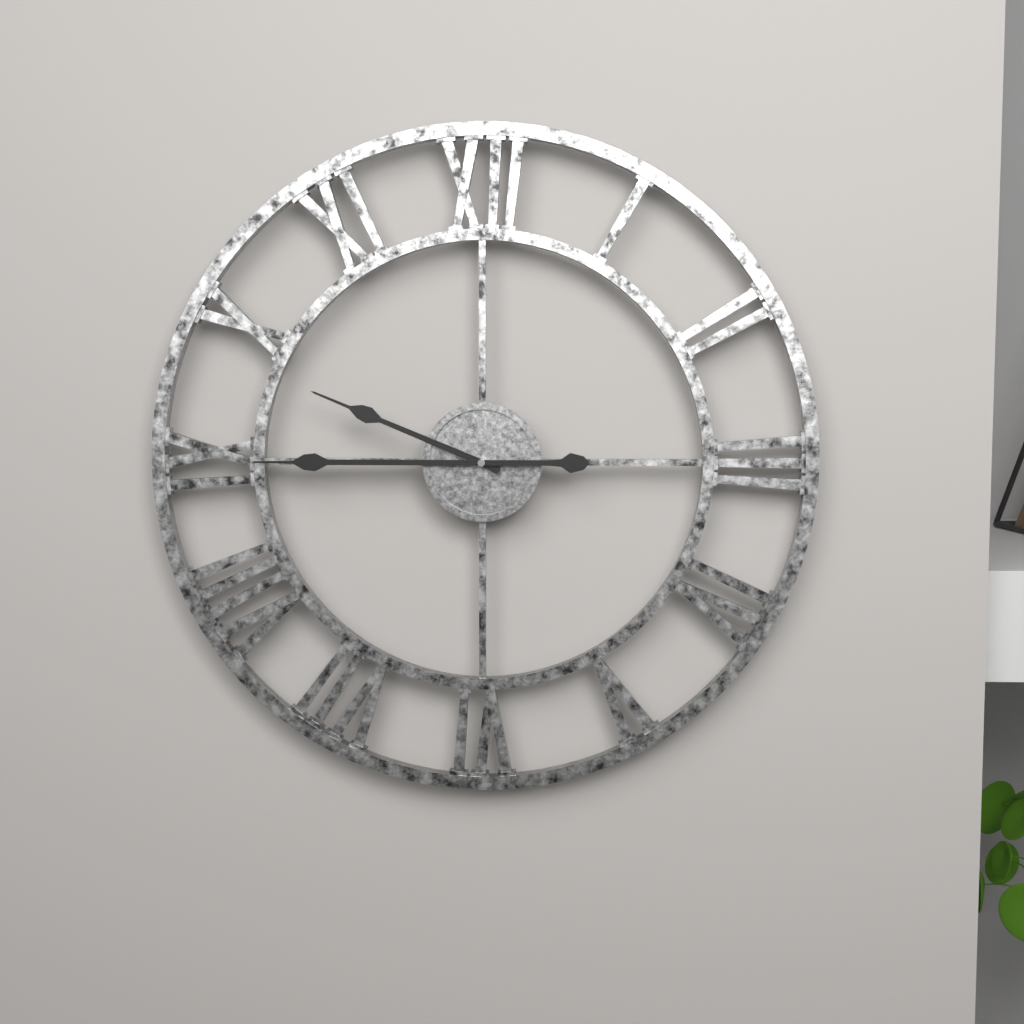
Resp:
**9:45**
